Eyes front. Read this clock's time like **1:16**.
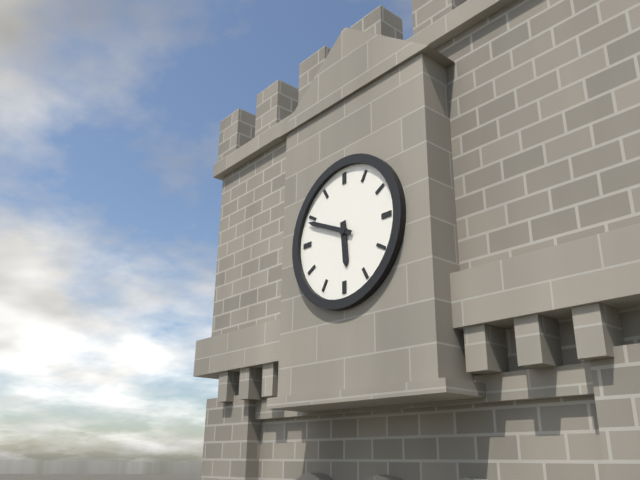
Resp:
**5:49**
